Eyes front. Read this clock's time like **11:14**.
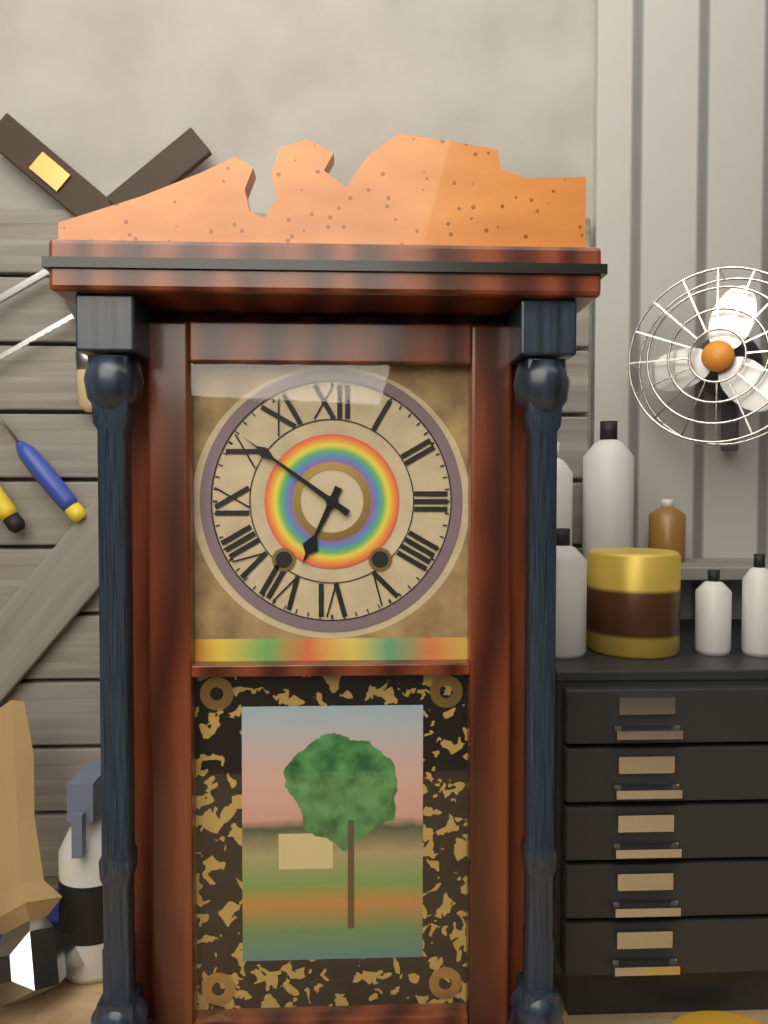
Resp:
**6:51**
